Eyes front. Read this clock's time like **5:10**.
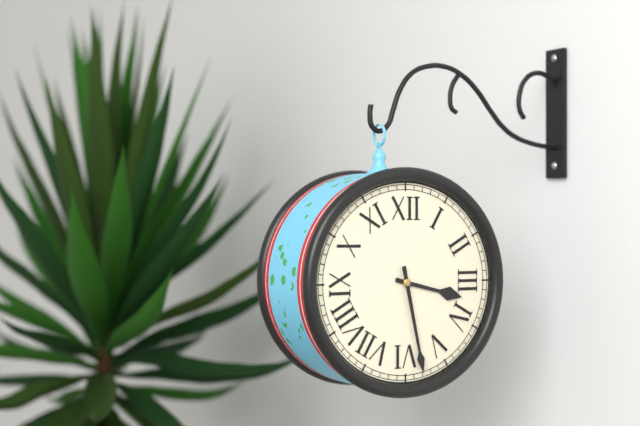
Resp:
**3:28**
